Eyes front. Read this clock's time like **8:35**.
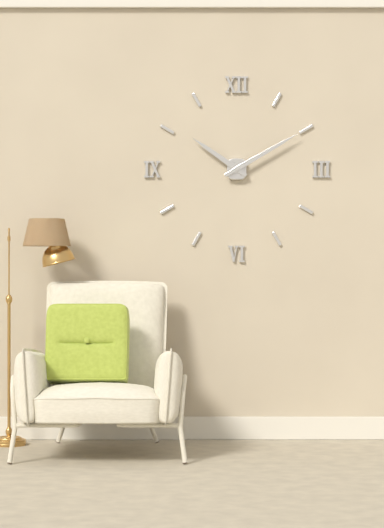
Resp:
**10:10**
